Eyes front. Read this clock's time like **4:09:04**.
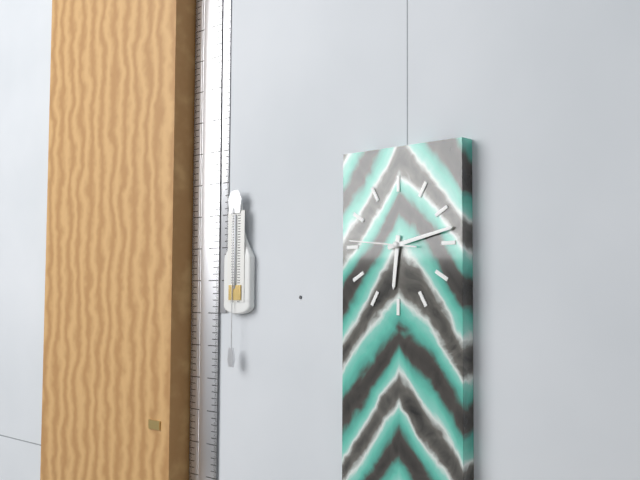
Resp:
**6:13:46**
